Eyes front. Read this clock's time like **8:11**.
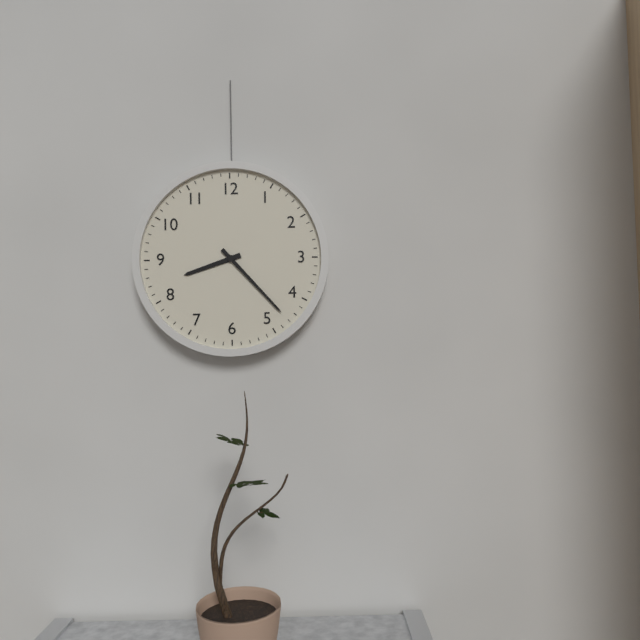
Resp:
**8:23**
